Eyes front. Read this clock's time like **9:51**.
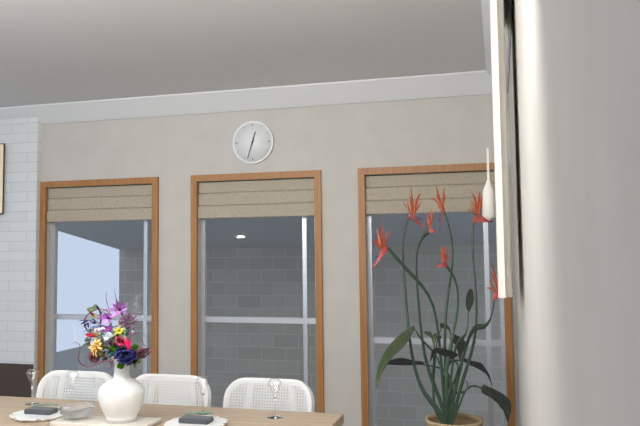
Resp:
**12:33**
